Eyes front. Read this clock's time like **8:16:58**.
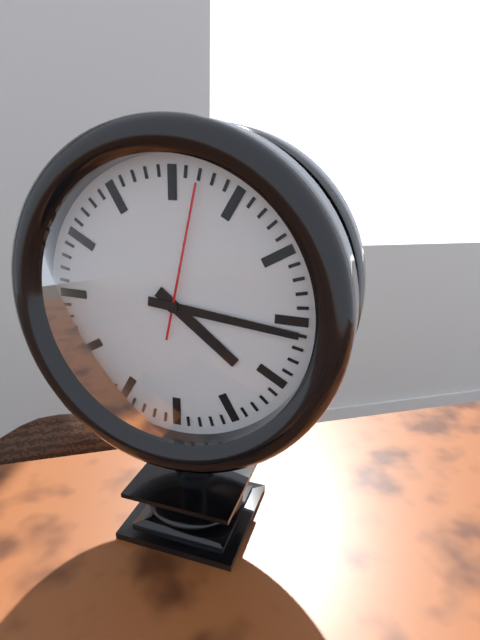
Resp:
**4:16:02**
